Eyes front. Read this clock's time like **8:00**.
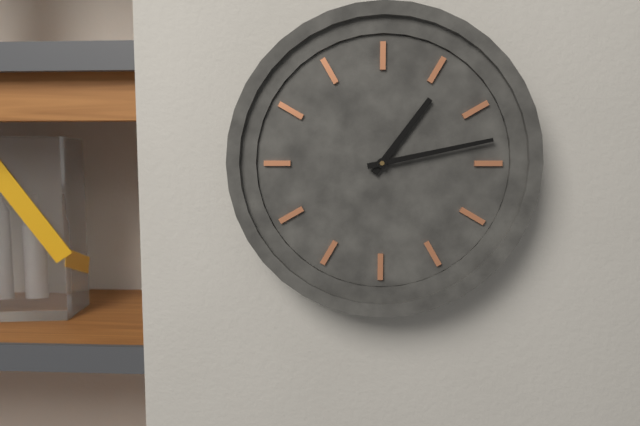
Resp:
**1:13**
